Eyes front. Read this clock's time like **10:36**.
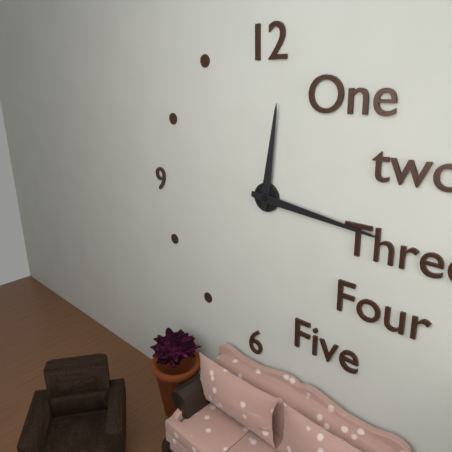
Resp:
**12:16**
